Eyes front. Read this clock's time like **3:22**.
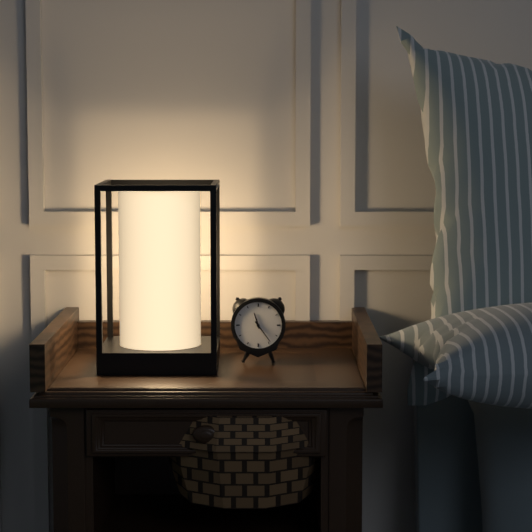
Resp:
**11:24**
